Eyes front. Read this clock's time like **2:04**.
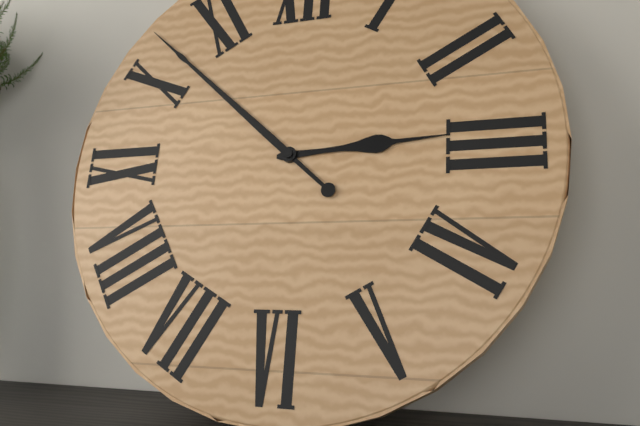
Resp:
**2:52**
